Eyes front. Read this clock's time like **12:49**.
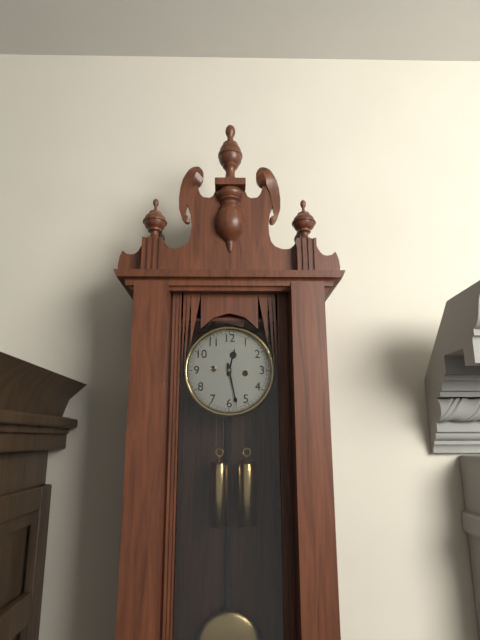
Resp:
**12:28**
